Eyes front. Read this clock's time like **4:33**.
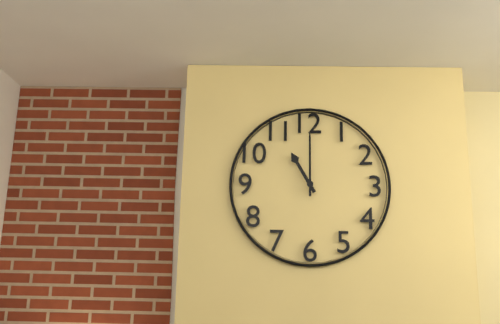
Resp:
**11:00**
